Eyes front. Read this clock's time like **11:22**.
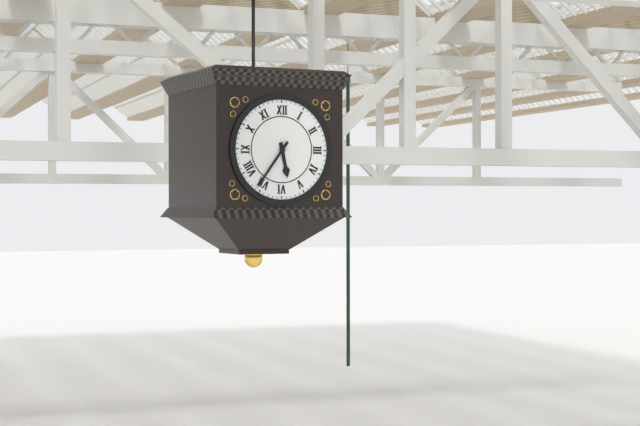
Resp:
**5:36**
